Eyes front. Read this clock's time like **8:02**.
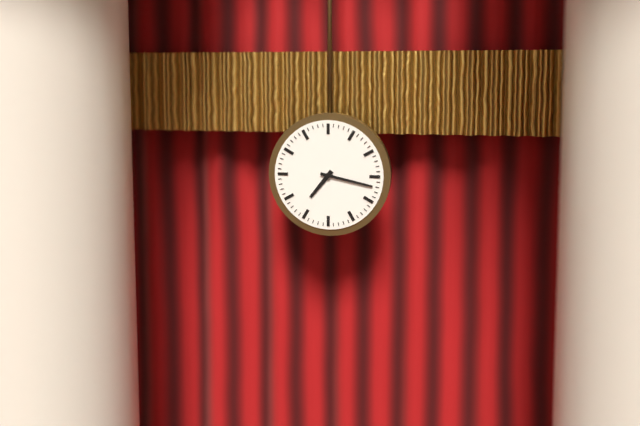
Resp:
**7:17**
